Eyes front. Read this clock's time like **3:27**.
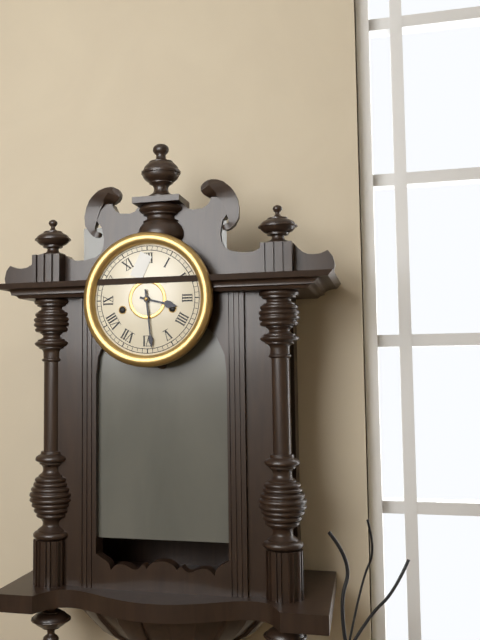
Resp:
**3:29**
